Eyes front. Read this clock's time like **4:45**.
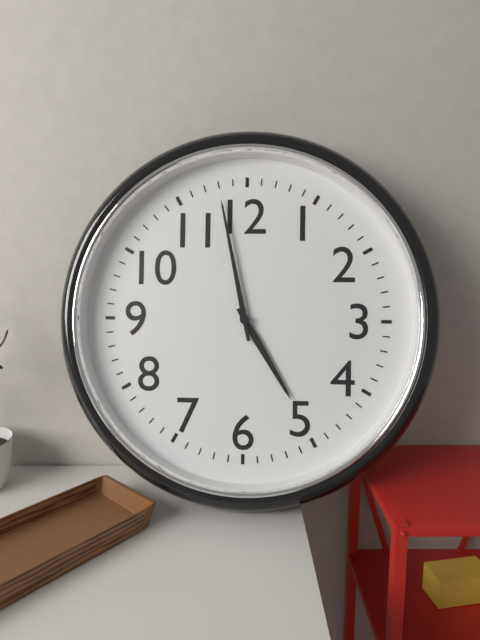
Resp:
**4:58**
